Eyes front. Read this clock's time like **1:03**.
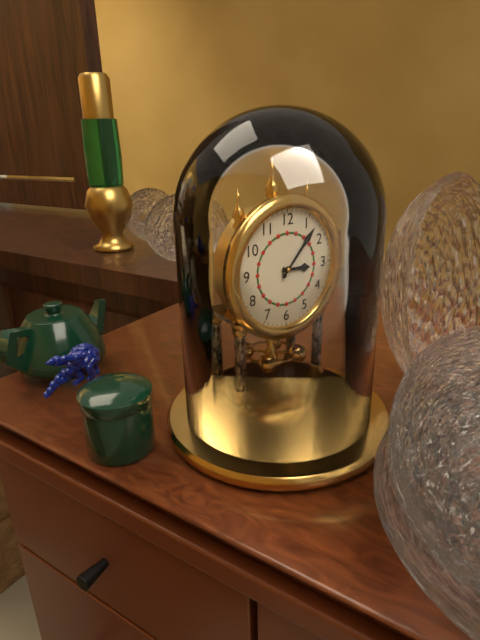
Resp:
**3:07**
